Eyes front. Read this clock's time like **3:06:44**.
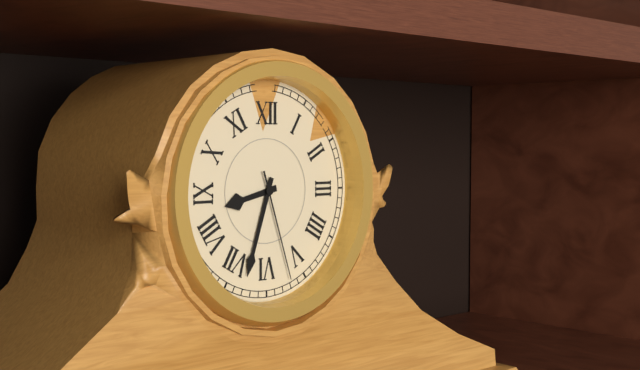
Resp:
**8:33:27**
